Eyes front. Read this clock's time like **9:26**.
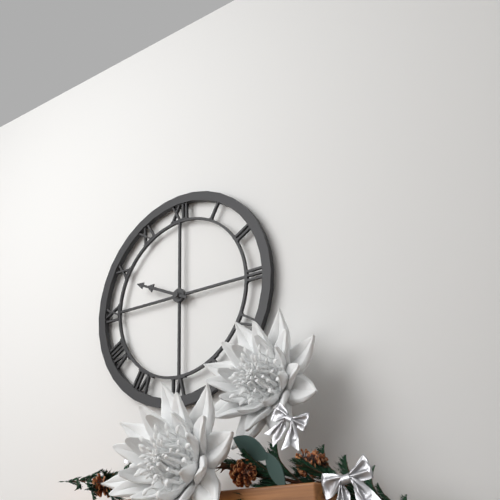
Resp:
**9:49**
